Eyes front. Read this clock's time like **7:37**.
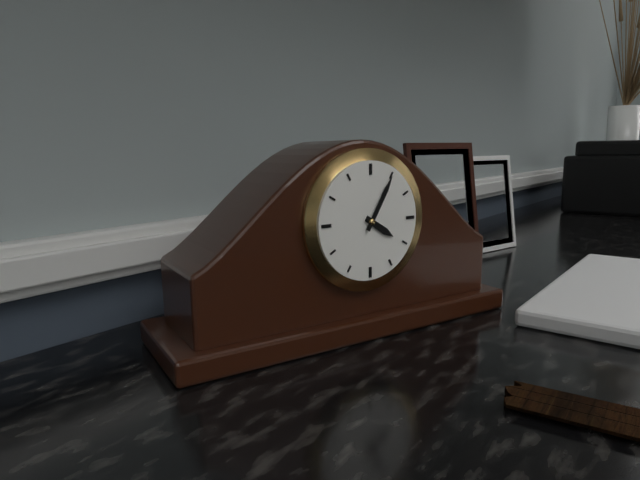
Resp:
**4:05**
